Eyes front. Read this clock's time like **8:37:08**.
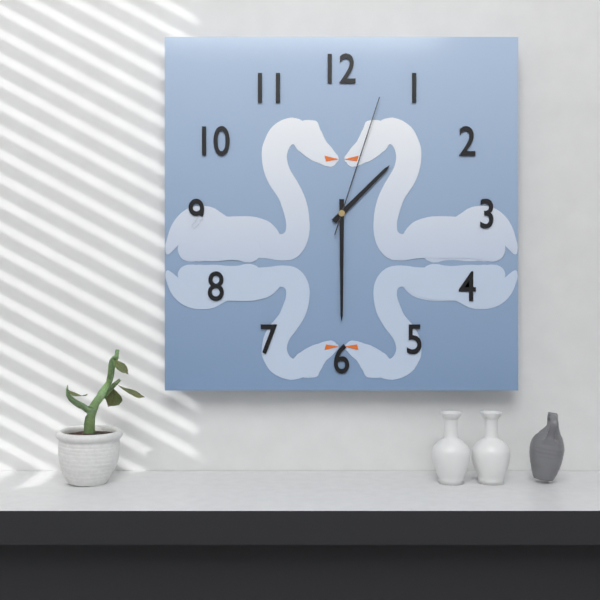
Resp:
**1:30:03**
